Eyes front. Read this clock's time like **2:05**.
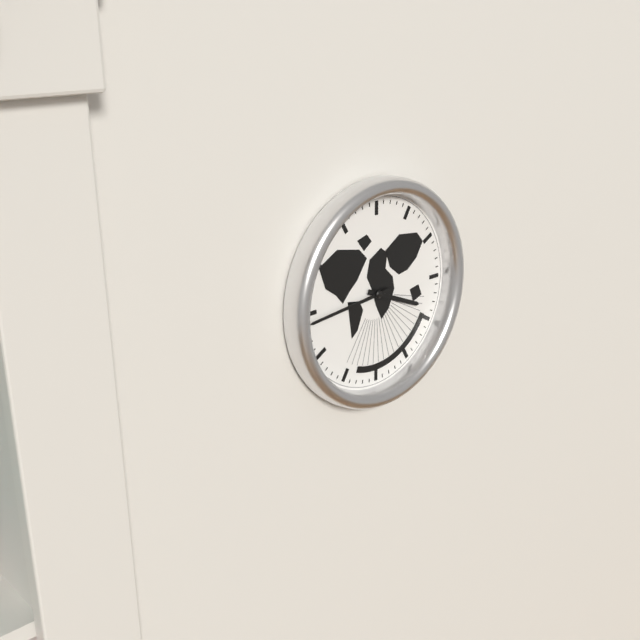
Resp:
**3:44**
